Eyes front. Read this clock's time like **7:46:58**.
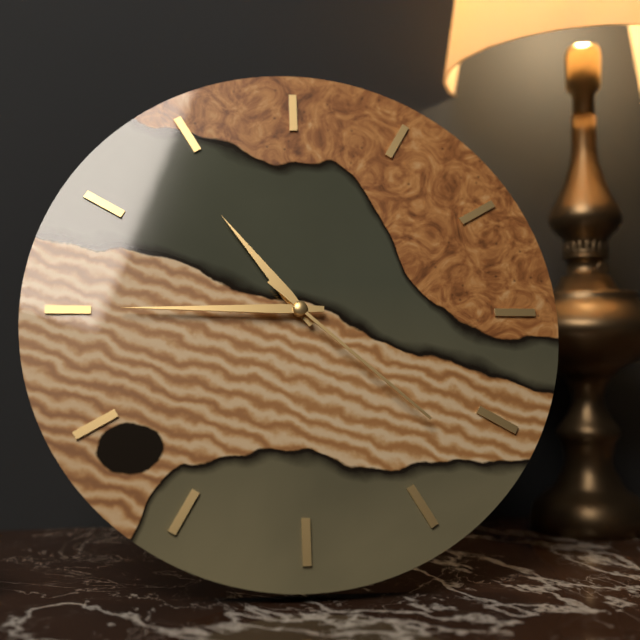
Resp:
**10:45:22**
